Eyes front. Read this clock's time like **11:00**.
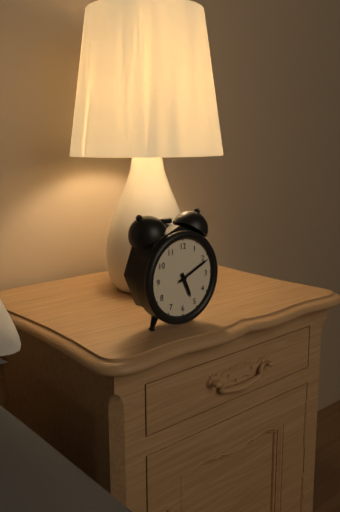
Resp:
**5:11**
